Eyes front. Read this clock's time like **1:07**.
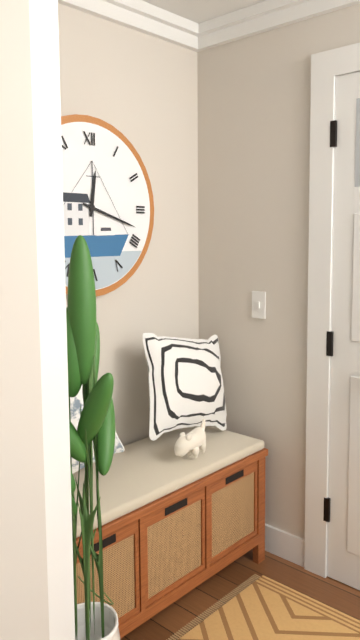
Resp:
**12:18**
